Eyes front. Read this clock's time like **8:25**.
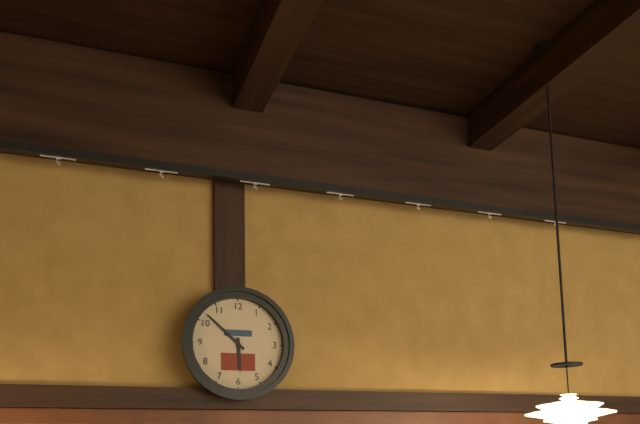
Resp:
**5:52**
